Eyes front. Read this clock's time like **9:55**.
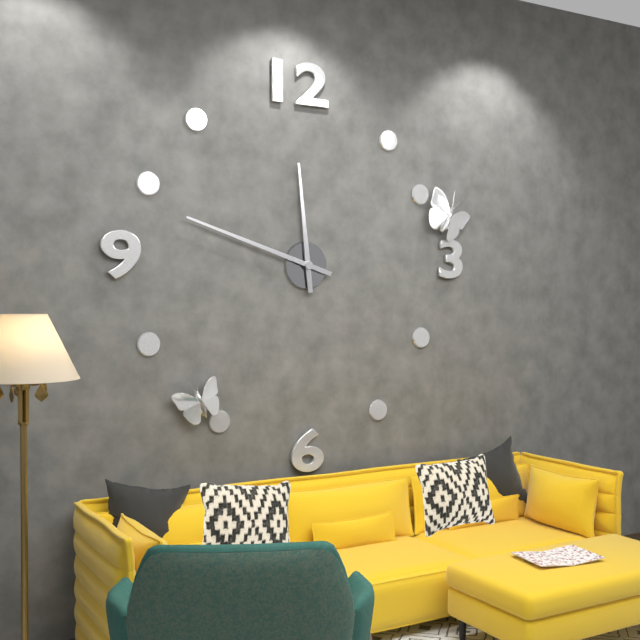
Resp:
**11:48**
